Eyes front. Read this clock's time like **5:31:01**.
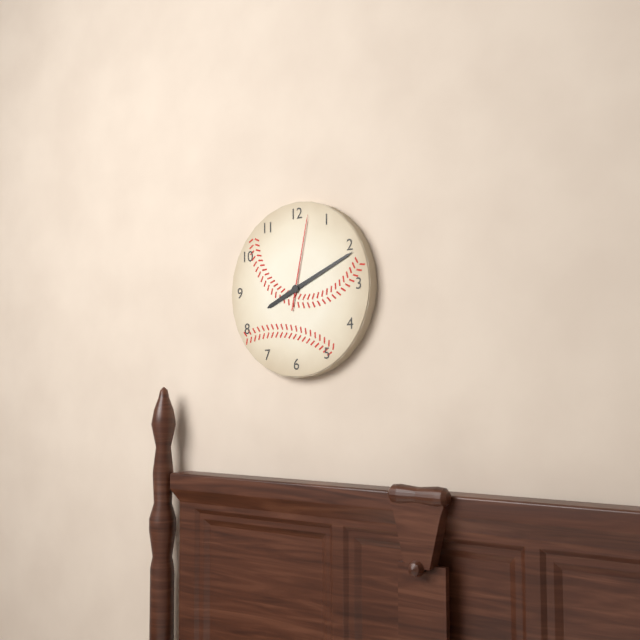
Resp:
**8:11:02**
